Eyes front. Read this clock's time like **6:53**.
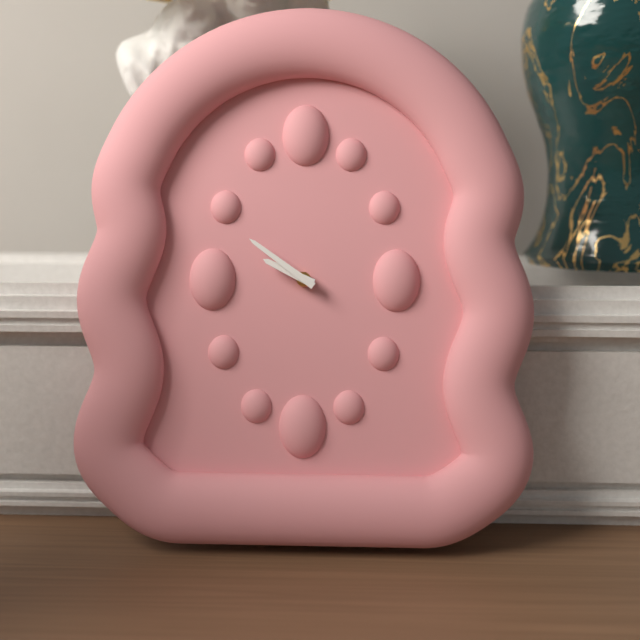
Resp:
**9:51**
